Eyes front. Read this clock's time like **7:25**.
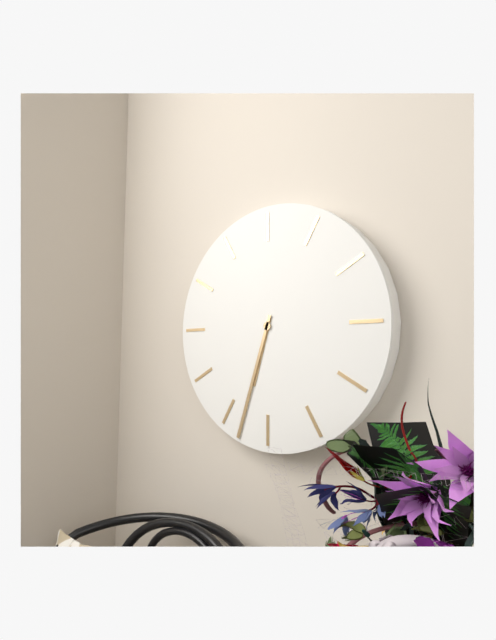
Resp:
**6:33**
